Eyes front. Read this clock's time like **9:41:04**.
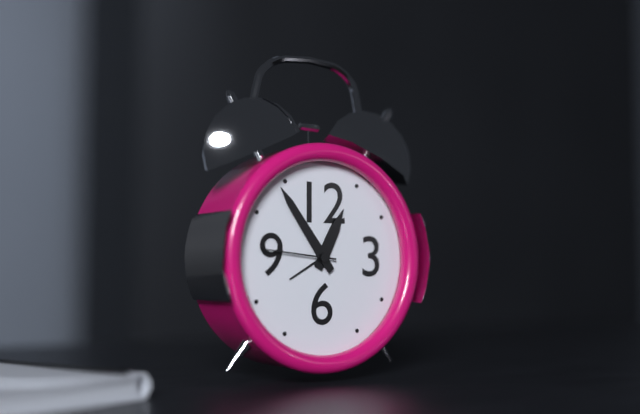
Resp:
**12:54:46**
